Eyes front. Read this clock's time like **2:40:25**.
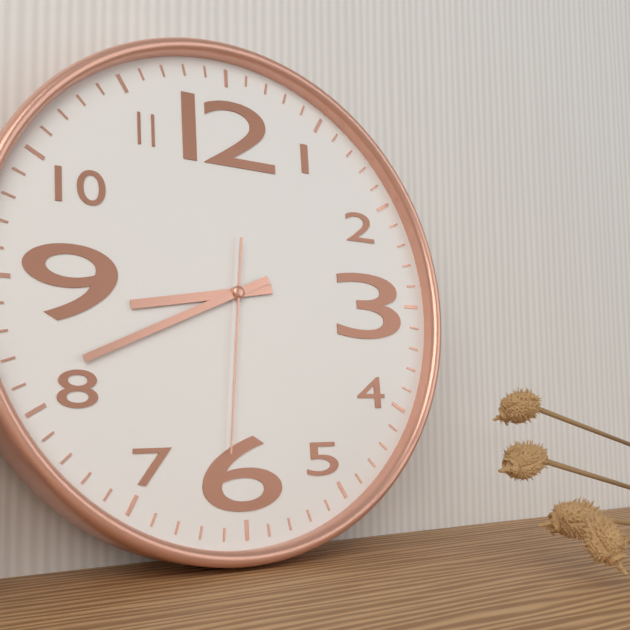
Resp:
**8:41:31**
